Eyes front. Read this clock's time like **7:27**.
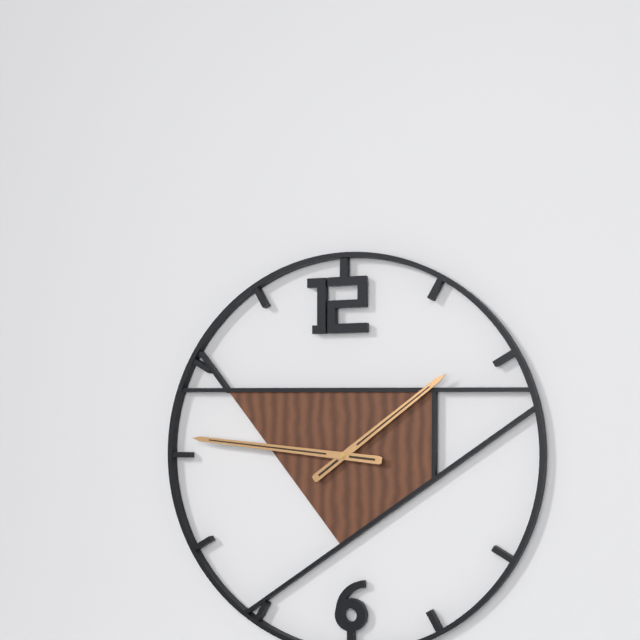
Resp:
**1:46**
